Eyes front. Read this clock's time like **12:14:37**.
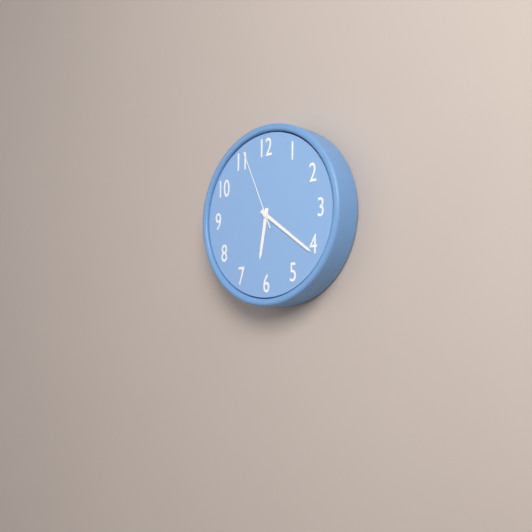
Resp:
**6:21:56**
